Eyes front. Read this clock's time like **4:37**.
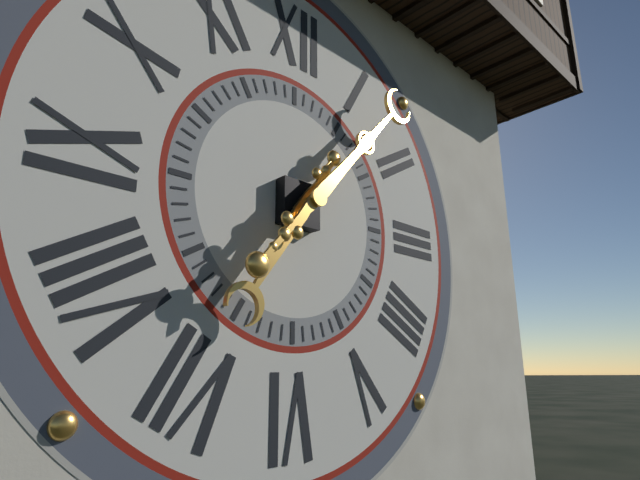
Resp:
**7:07**
